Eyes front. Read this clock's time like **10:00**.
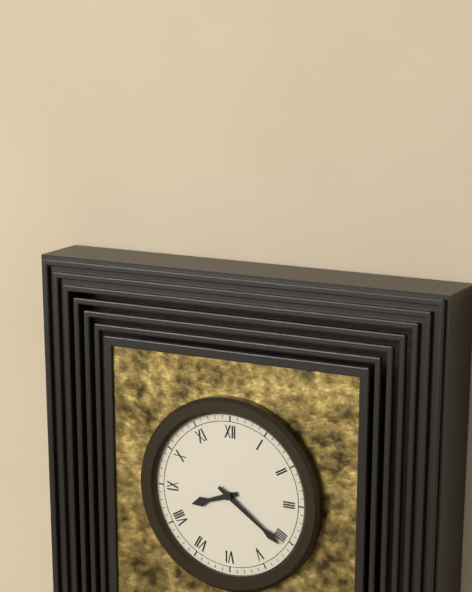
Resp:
**8:21**
